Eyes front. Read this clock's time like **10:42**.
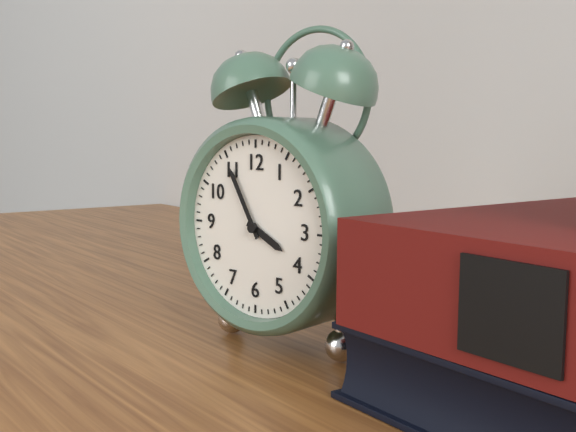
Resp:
**3:55**
